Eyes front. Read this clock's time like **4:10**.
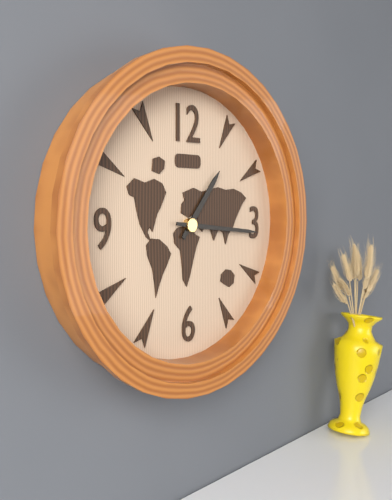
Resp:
**1:16**
